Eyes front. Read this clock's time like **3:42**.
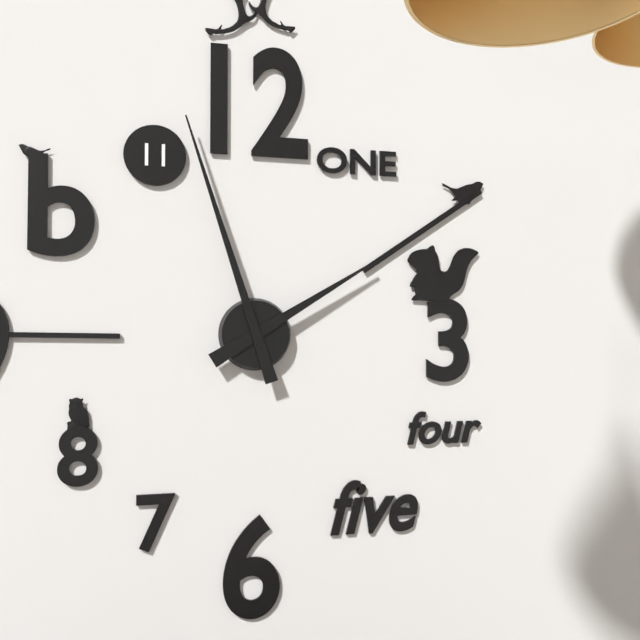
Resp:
**1:57**
